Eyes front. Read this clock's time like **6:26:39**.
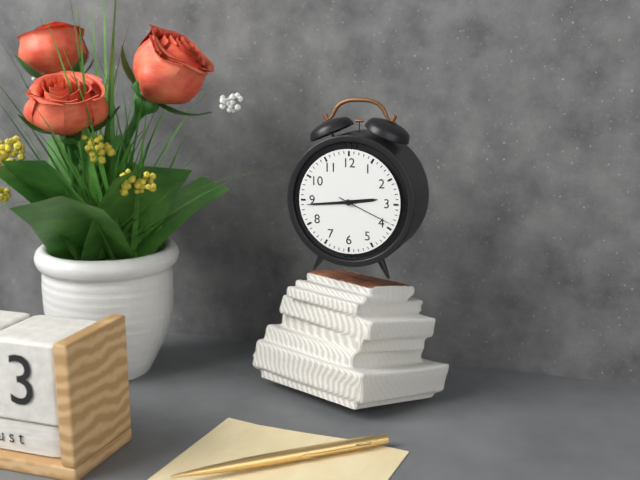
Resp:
**2:44:19**
